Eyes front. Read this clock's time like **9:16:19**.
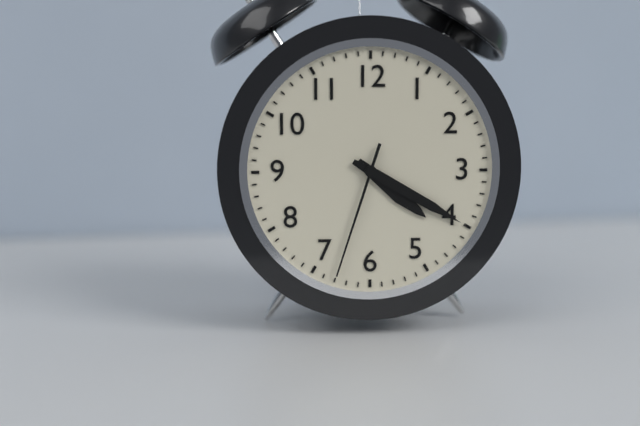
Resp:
**4:20:33**
